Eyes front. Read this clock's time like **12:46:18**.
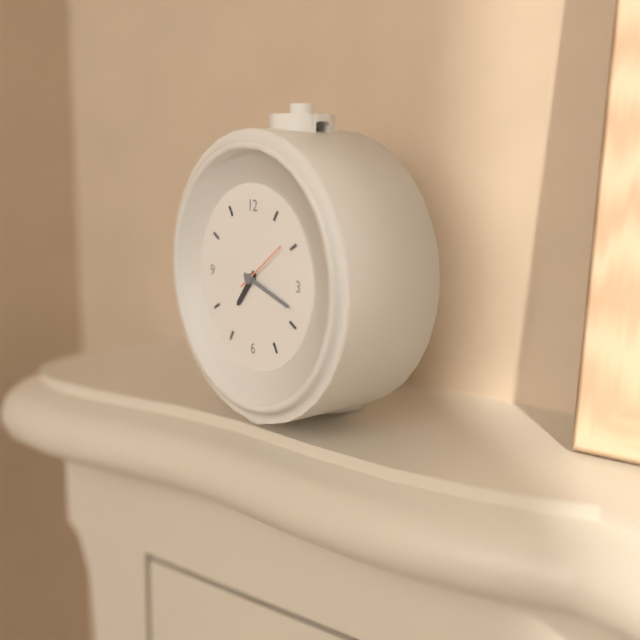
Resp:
**7:18:09**
